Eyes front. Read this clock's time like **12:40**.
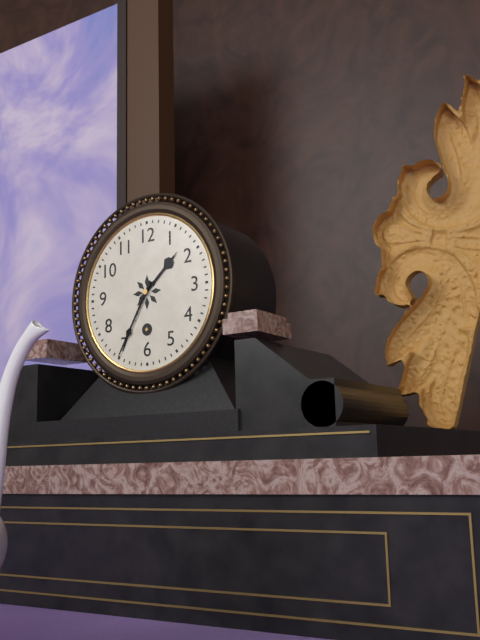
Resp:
**1:35**
